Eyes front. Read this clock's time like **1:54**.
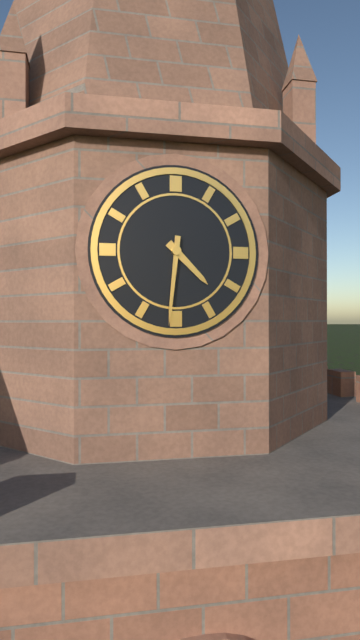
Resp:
**4:31**
